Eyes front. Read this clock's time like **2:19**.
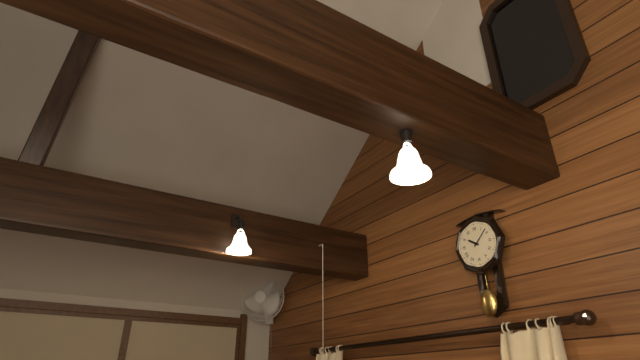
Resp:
**10:08**
